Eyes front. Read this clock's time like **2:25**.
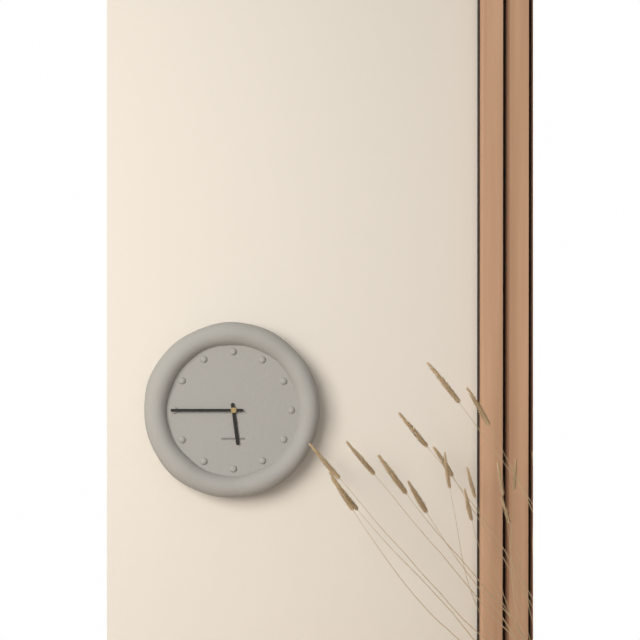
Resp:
**5:45**
